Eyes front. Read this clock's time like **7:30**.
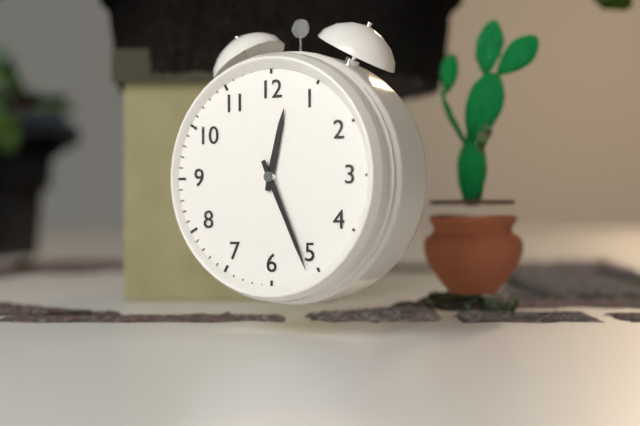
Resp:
**12:26**
